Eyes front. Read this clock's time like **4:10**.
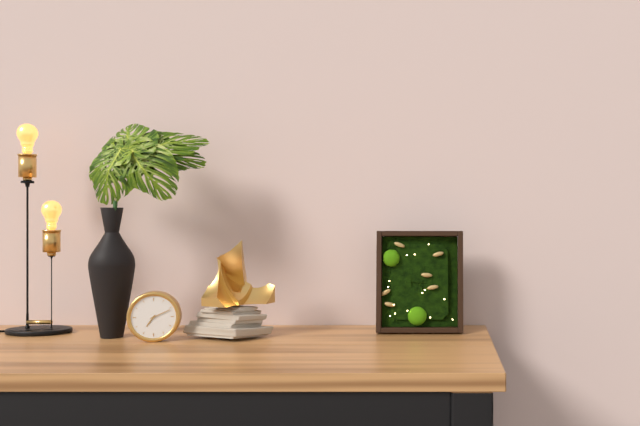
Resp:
**7:11**
